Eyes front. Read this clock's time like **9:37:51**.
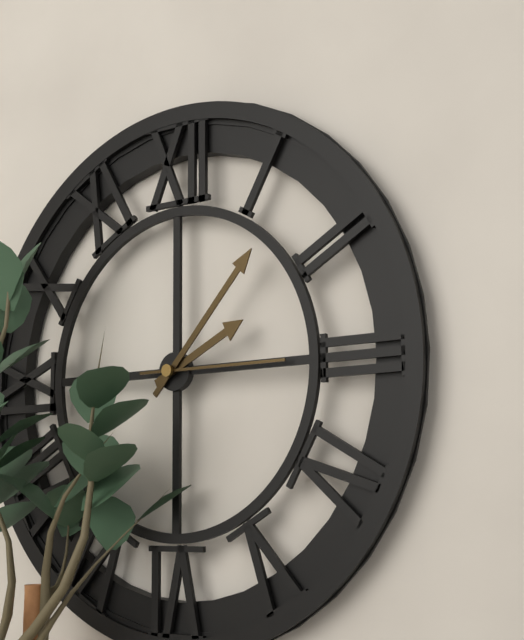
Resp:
**2:07:15**
